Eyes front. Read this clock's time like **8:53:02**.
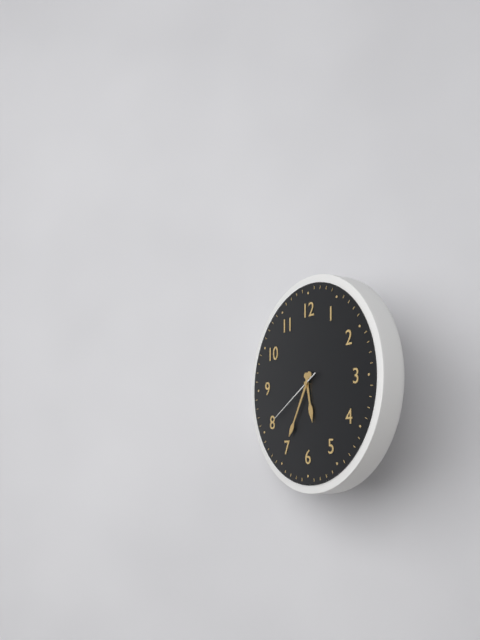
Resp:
**5:35:40**
